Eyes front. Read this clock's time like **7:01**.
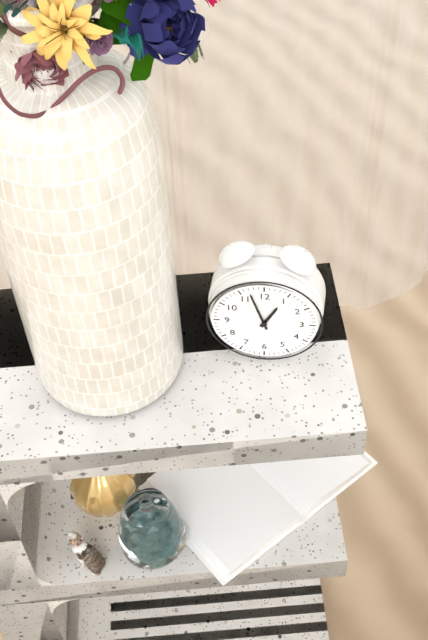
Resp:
**12:57**
